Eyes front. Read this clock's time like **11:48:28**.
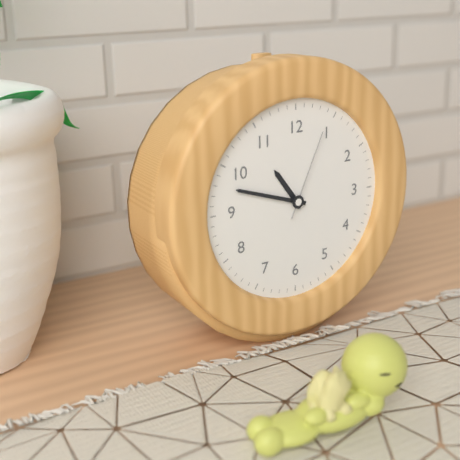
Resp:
**10:48:04**
